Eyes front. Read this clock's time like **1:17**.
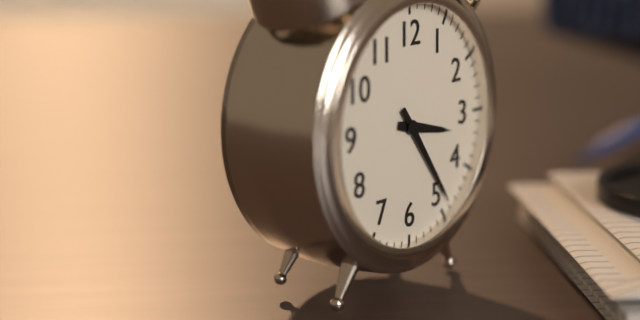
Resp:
**3:24**
